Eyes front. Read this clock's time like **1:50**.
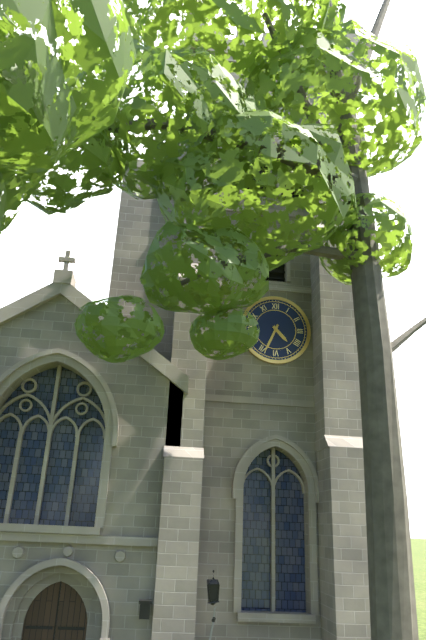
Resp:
**4:34**
